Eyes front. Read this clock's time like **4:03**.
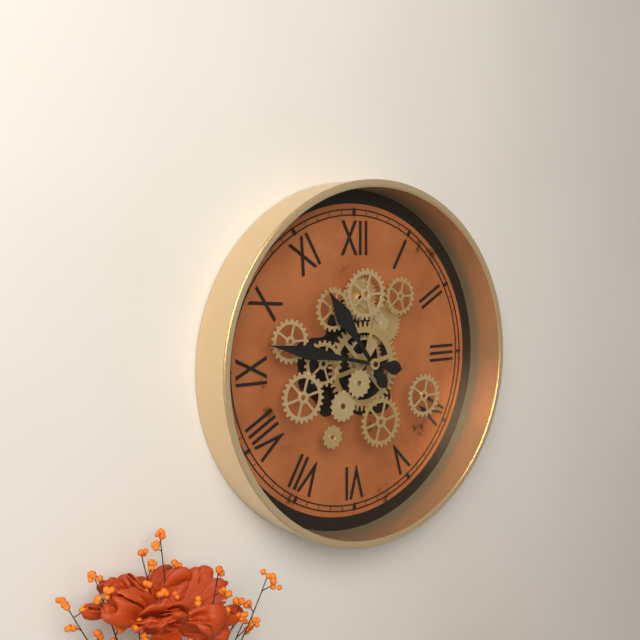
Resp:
**10:47**
